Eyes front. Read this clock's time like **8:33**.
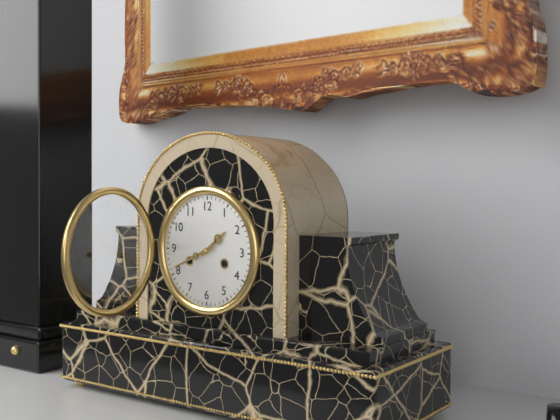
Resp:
**1:41**
